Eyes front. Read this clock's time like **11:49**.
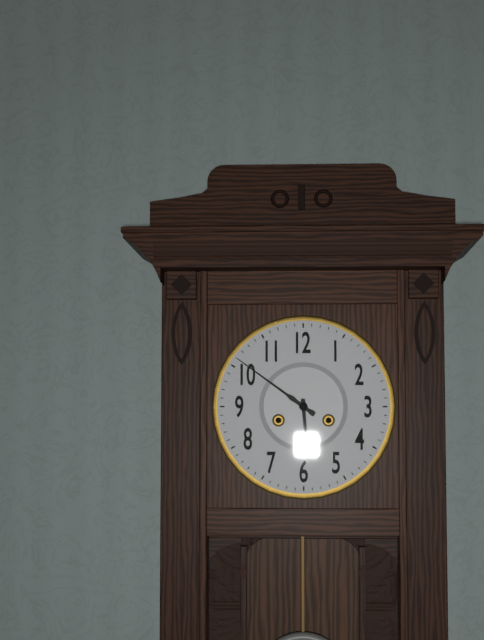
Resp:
**5:51**
